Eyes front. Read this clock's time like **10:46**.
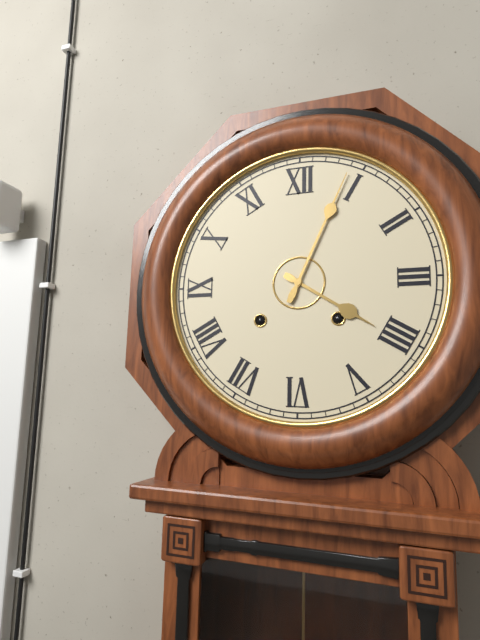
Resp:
**4:04**
